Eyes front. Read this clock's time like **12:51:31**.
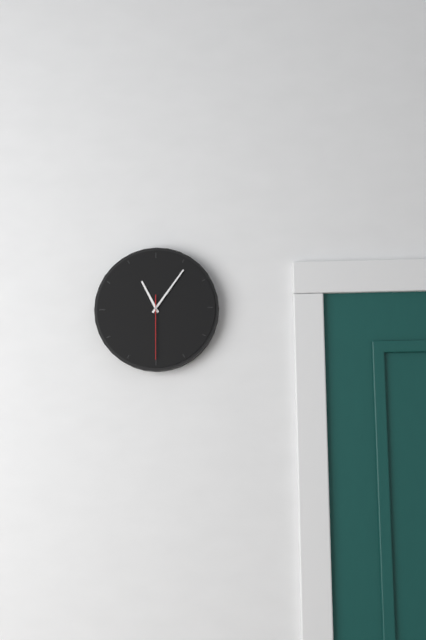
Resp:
**11:06:30**
